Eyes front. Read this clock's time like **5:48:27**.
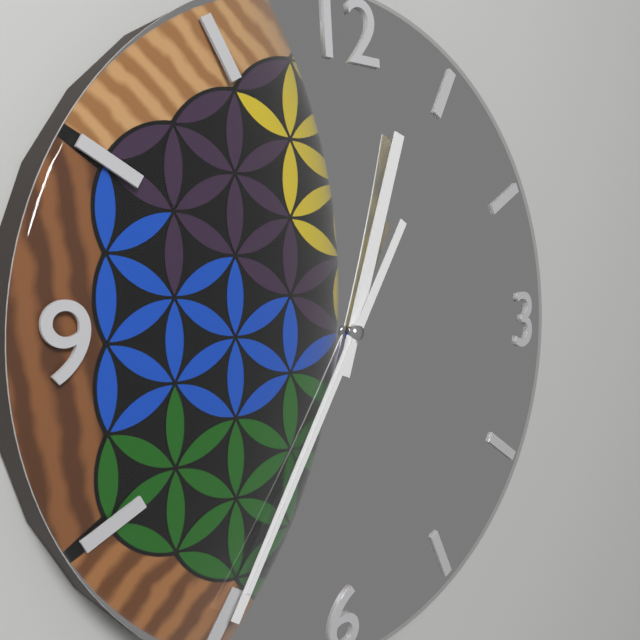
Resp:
**12:35:35**
